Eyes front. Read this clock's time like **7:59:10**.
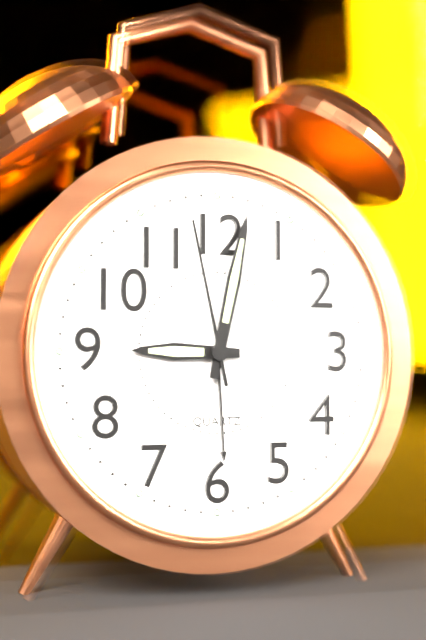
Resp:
**9:02:58**
